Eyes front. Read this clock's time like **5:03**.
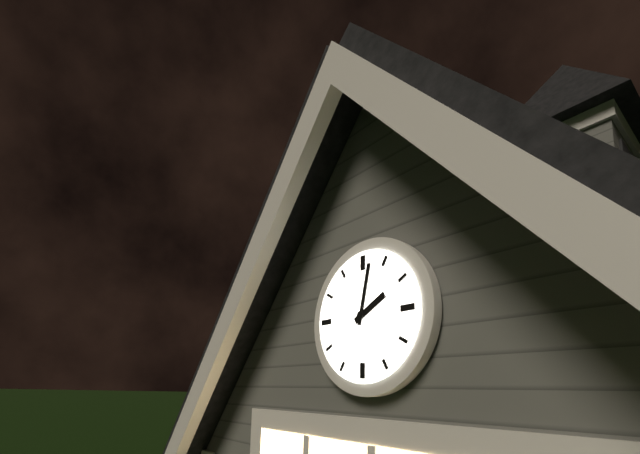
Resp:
**2:02**
